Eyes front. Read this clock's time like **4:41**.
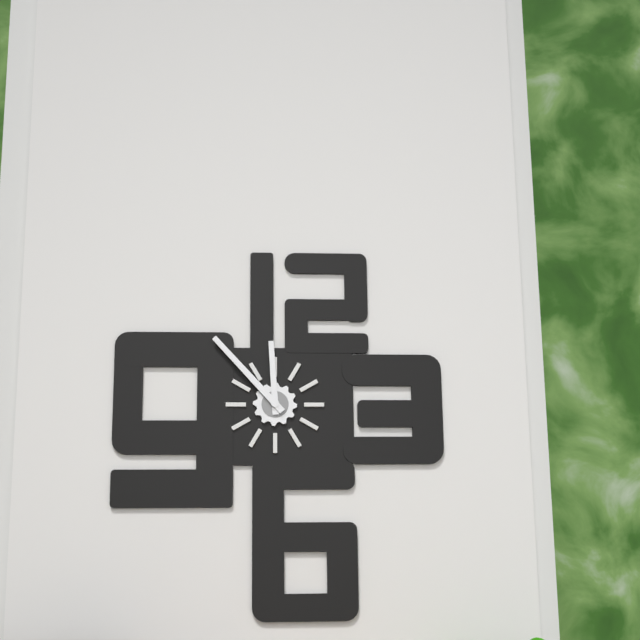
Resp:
**11:53**
